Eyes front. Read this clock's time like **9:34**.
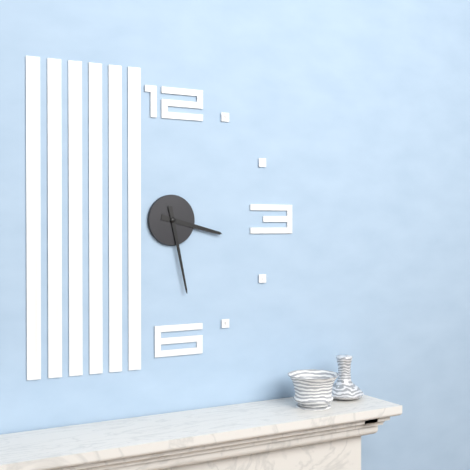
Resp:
**3:28**
